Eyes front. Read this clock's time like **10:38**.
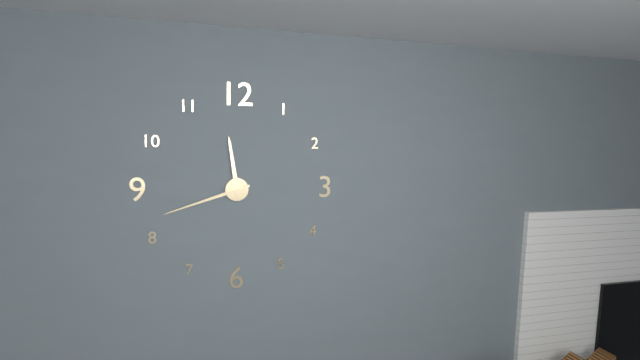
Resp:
**11:42**
